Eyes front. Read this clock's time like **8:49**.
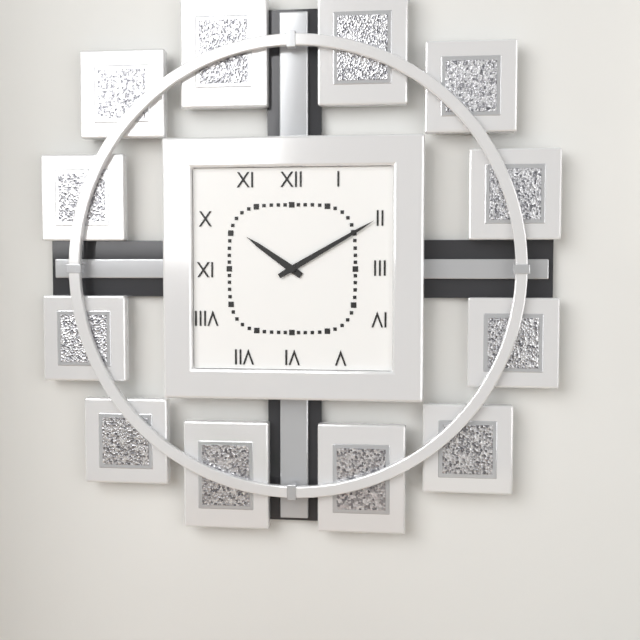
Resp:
**10:10**
